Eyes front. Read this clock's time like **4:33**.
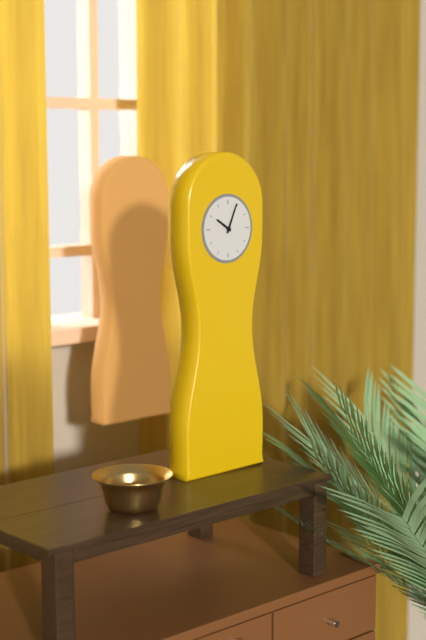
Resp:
**10:04**
